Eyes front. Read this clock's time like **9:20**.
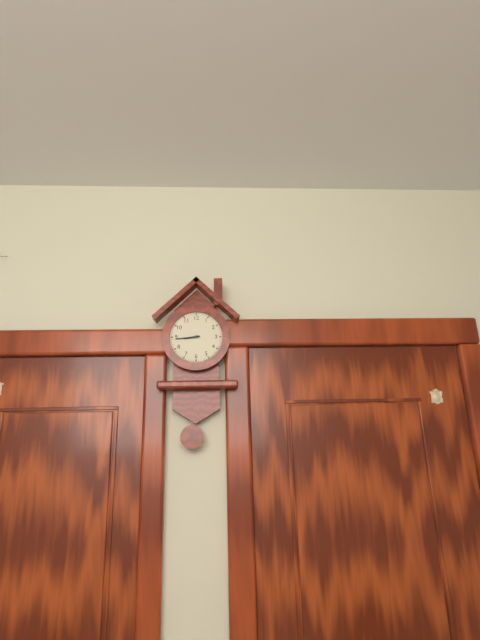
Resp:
**8:44**
